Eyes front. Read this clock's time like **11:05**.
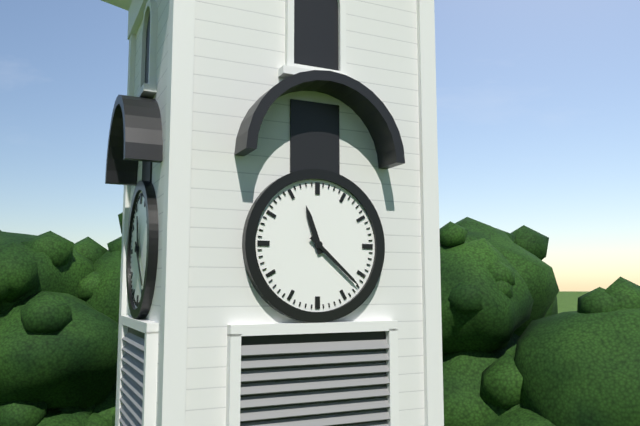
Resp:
**11:22**
